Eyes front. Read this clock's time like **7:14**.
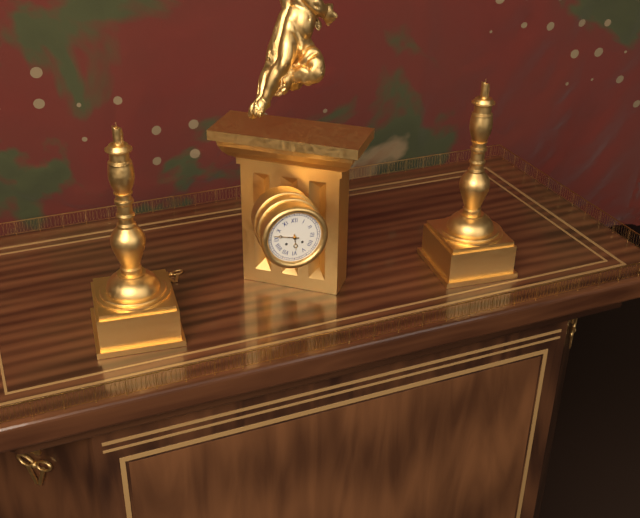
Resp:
**5:47**
